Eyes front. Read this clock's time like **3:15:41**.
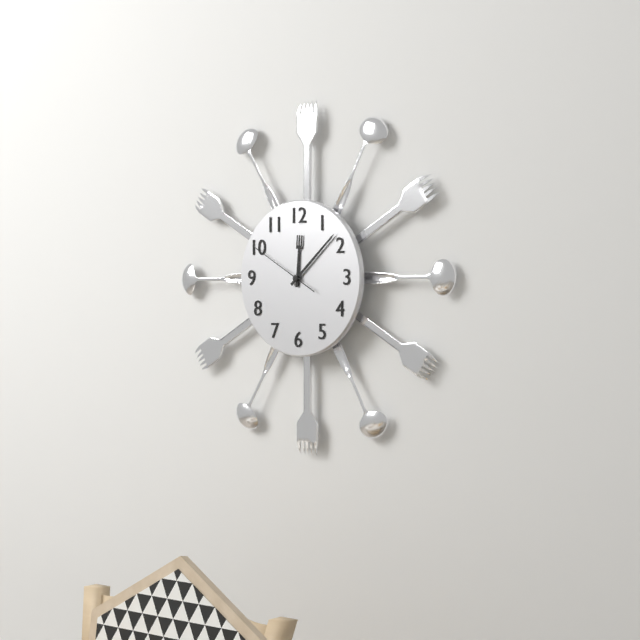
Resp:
**12:08:50**
